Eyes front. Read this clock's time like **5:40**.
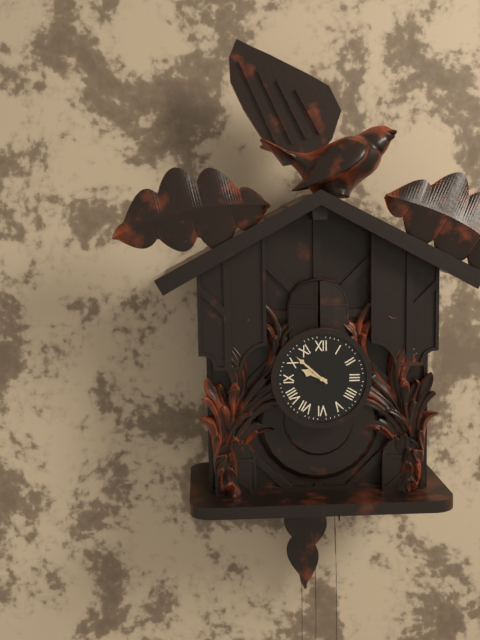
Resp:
**9:52**
